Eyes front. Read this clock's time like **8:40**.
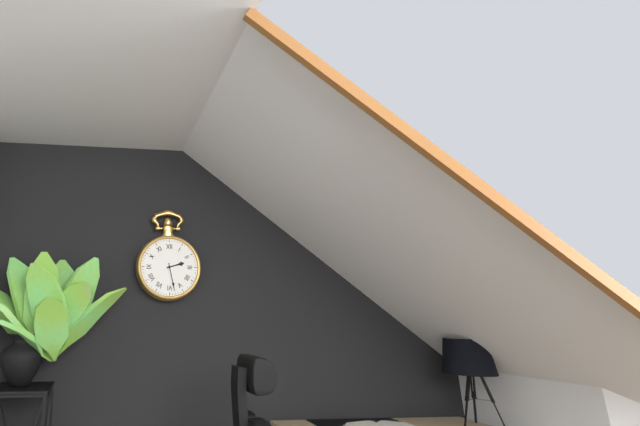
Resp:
**2:28**
